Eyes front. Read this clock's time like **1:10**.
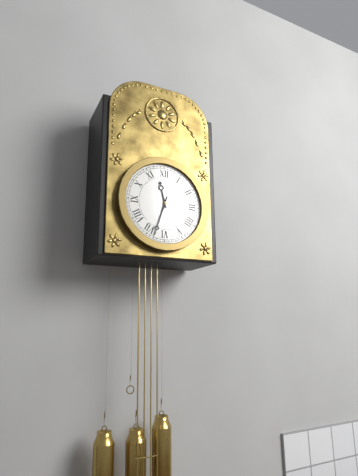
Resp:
**11:33**
